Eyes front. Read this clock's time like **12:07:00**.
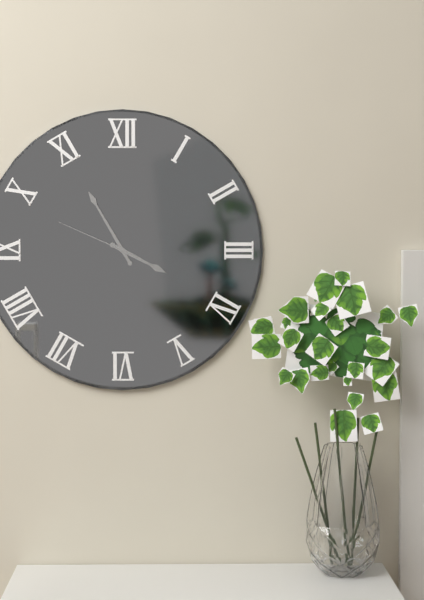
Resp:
**3:55:49**
